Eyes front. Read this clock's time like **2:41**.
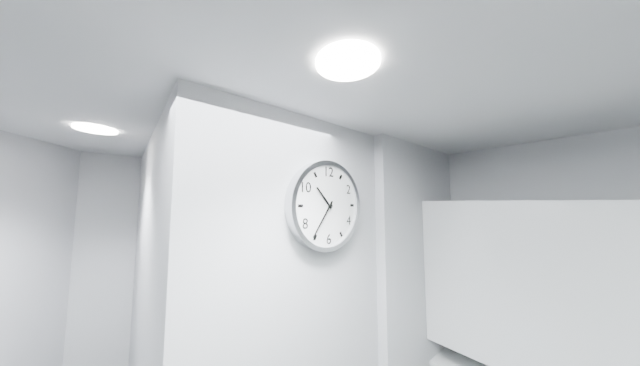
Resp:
**10:36**
